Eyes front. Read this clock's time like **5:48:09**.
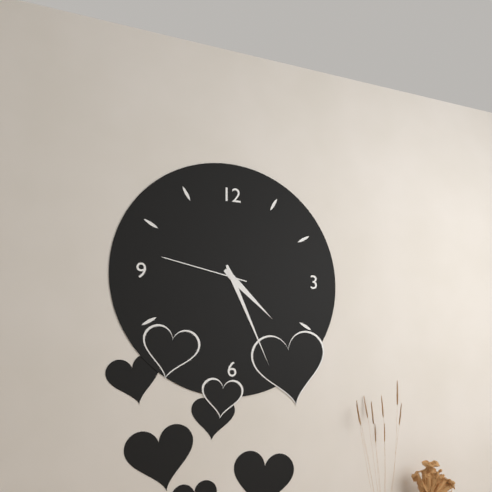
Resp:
**4:26:47**
